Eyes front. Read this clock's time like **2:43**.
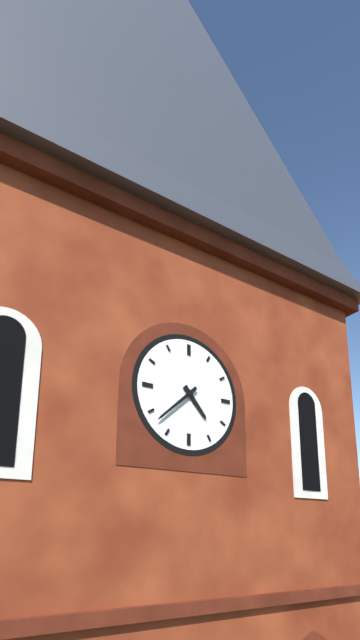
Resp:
**4:38**
